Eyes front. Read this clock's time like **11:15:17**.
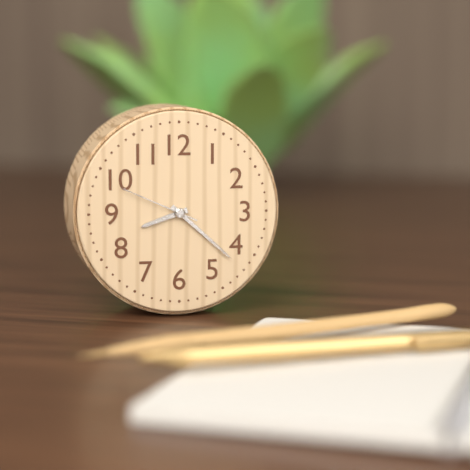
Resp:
**8:22:49**
